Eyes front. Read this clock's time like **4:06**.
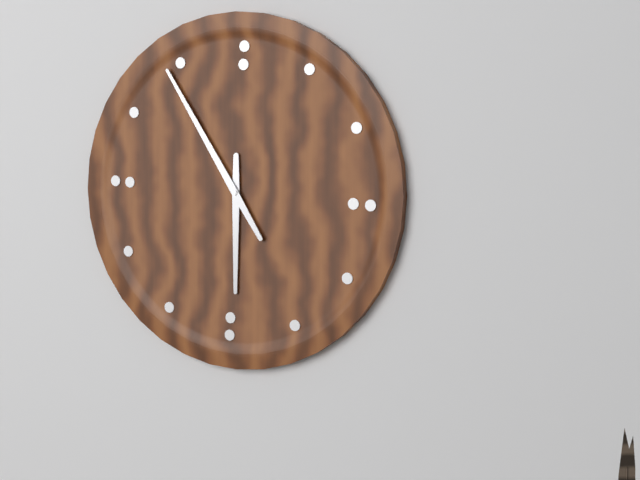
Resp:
**5:54**
